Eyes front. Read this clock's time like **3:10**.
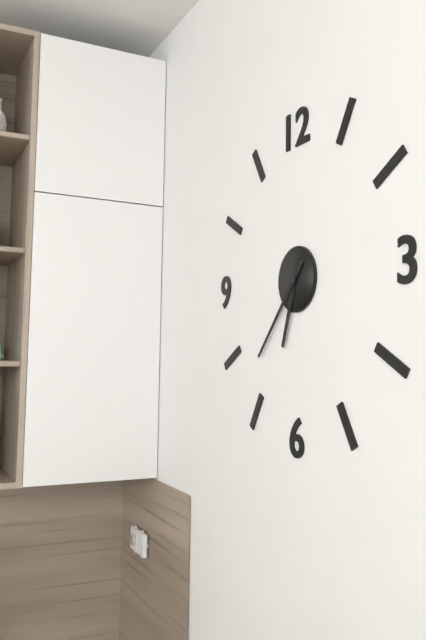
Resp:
**6:37**
